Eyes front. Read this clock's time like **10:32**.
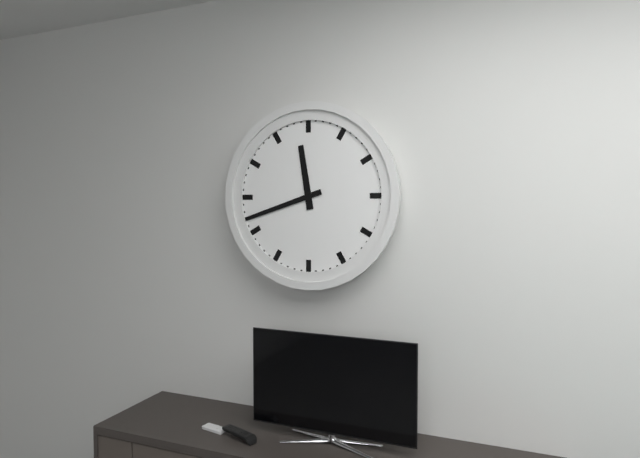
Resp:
**11:42**
